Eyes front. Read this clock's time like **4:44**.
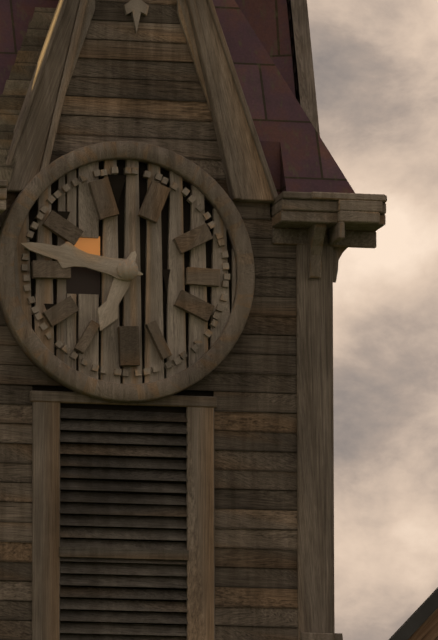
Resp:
**6:47**
